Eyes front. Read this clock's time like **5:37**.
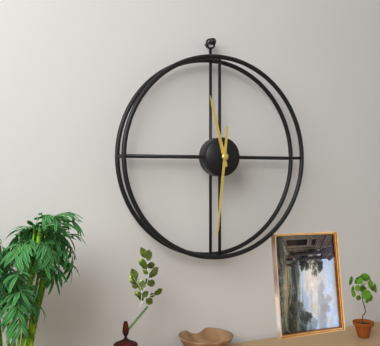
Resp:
**11:31**
